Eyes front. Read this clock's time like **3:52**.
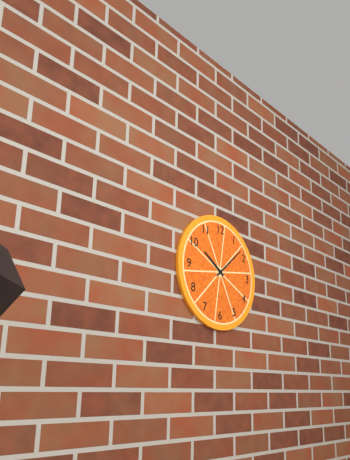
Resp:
**10:08**
